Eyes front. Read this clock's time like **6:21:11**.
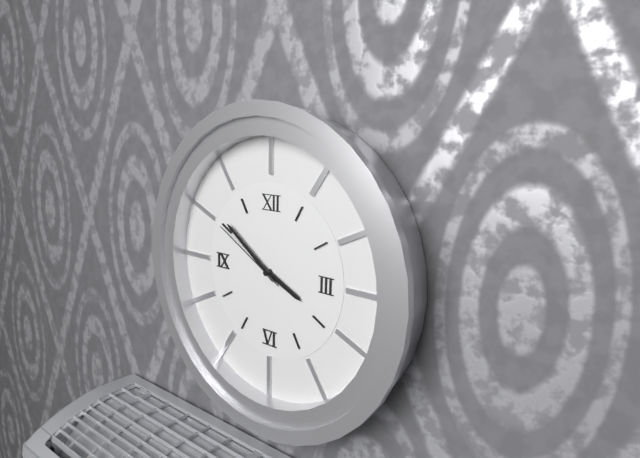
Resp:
**3:51:50**
